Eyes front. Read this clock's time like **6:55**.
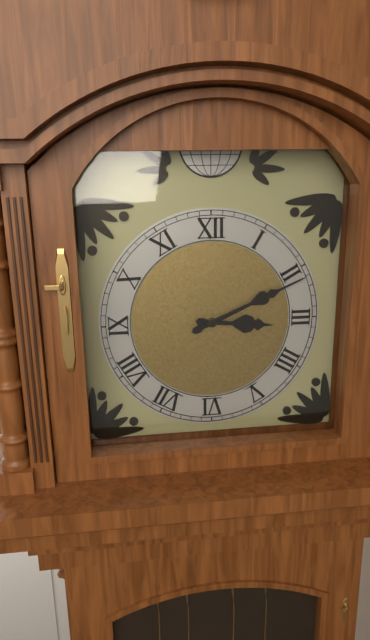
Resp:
**3:11**
